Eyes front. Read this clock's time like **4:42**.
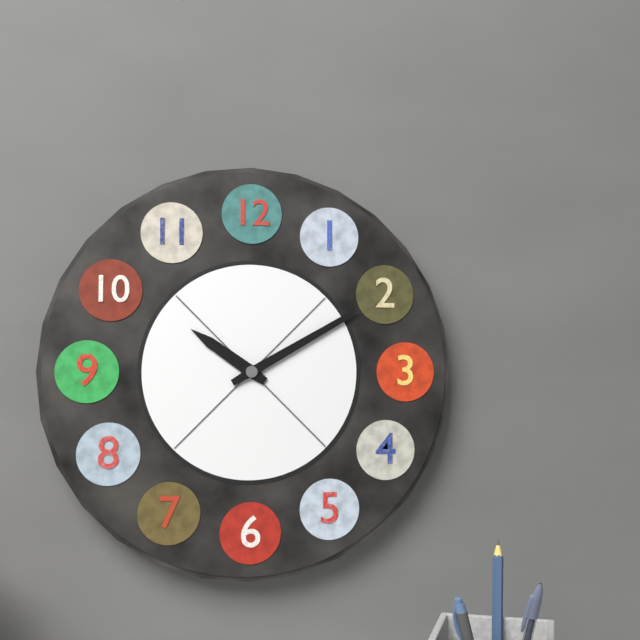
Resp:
**10:10**
